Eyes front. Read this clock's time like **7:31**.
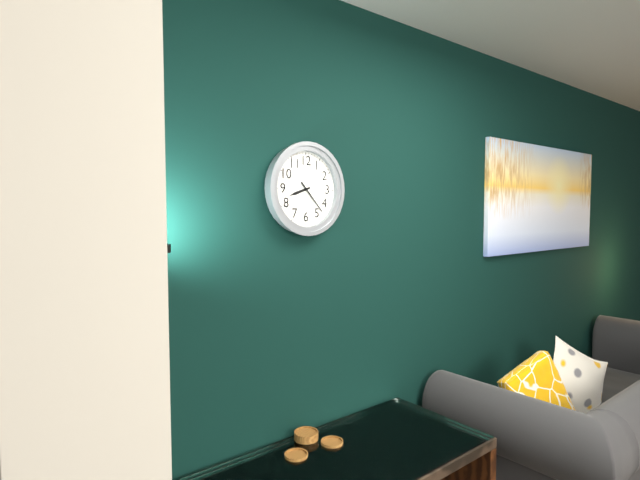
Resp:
**8:23**
